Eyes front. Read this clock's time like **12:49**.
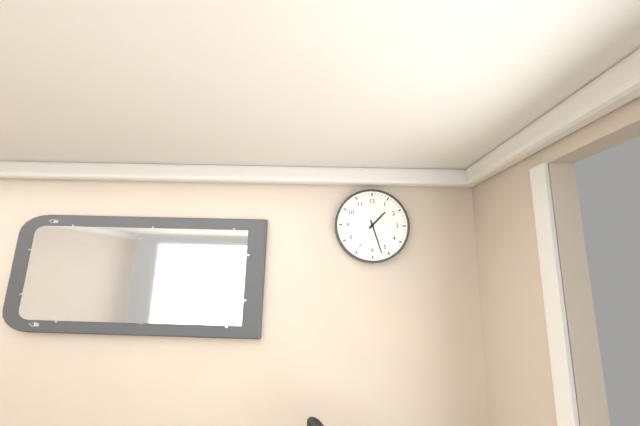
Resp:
**1:27**
